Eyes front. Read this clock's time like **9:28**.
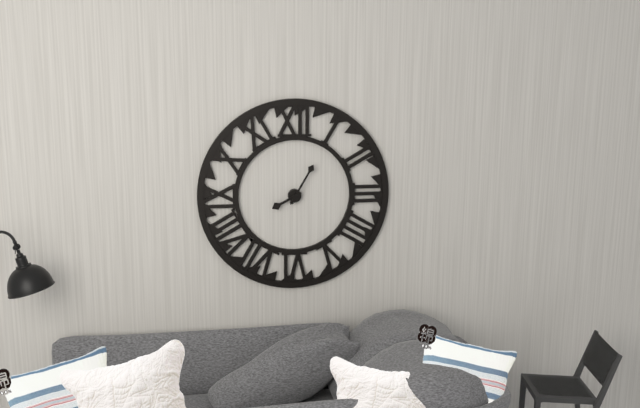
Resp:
**8:05**
